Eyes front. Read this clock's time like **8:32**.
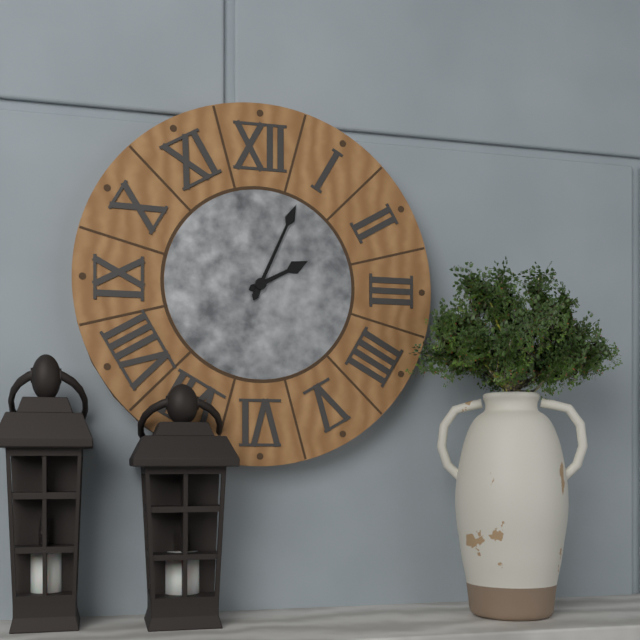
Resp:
**2:04**
